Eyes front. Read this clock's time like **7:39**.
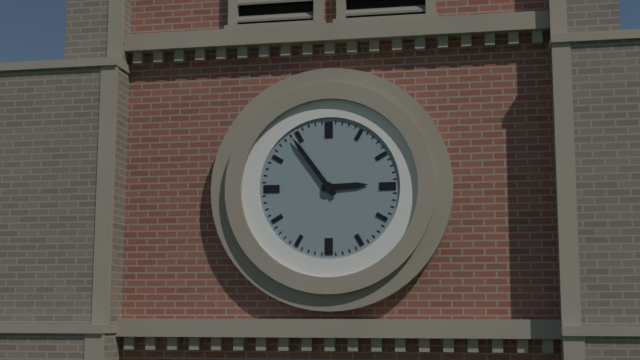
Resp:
**2:54**
